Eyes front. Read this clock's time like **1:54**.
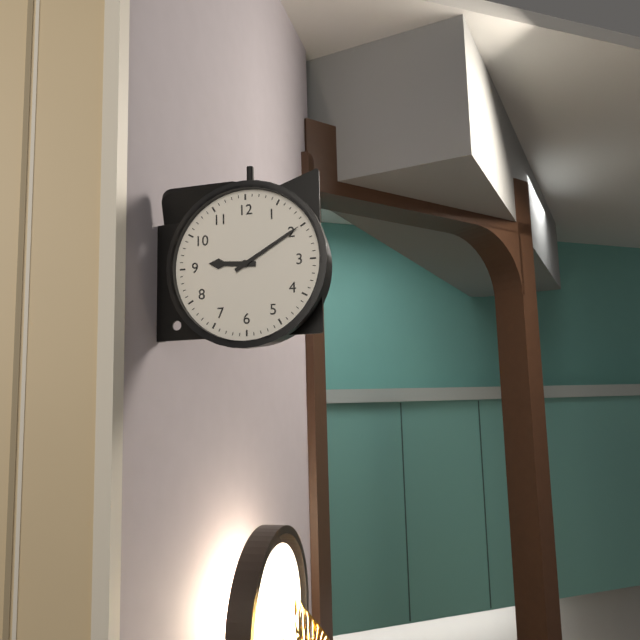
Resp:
**9:10**
